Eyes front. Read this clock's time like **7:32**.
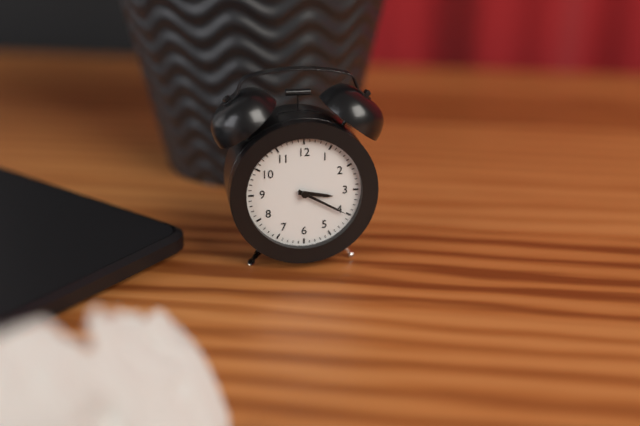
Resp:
**3:20**
